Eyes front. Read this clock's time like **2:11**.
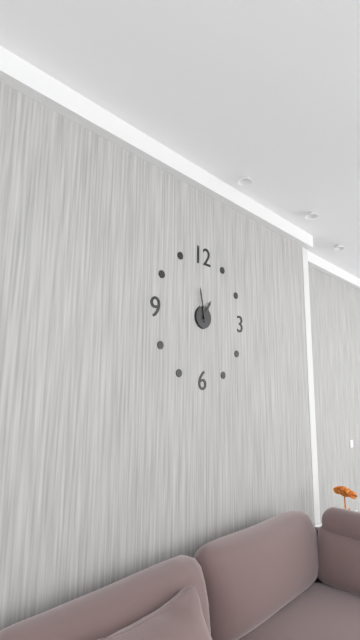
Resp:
**12:58**
